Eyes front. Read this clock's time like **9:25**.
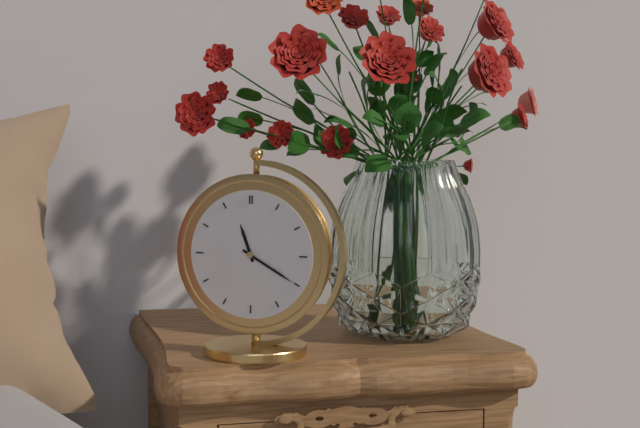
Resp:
**11:20**
